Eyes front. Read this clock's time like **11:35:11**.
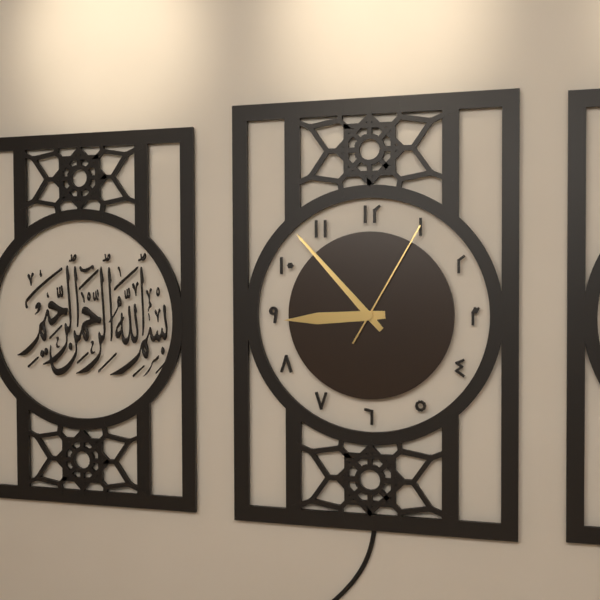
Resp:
**8:53:05**
